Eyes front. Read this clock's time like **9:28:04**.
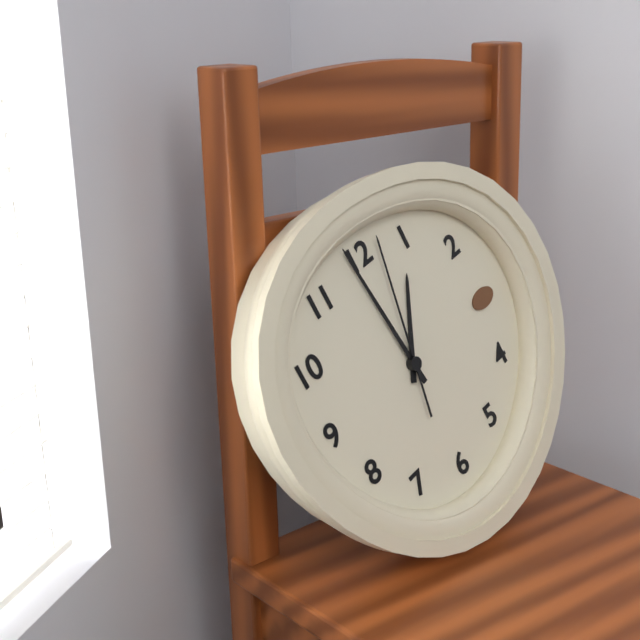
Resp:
**12:59:02**
